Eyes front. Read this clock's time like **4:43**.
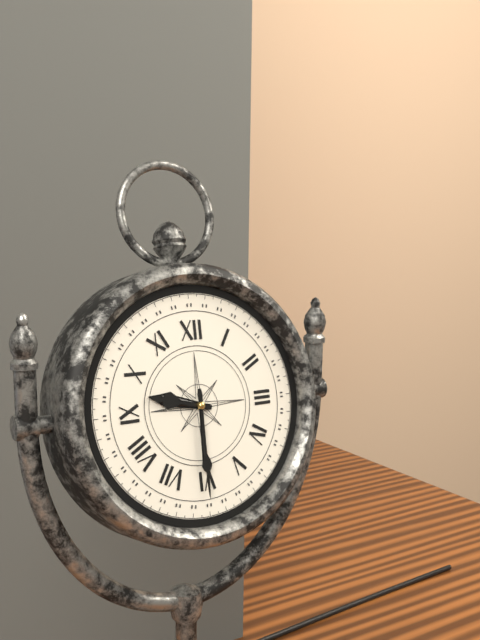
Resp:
**9:30**
